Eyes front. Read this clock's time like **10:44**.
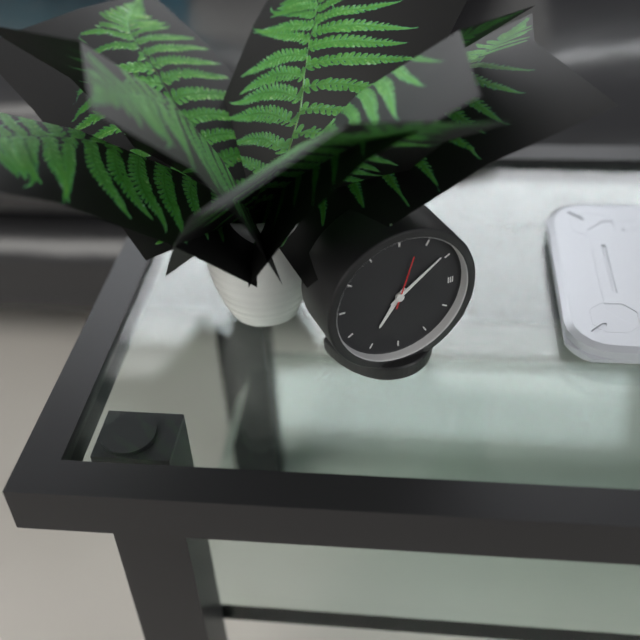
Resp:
**7:09**
